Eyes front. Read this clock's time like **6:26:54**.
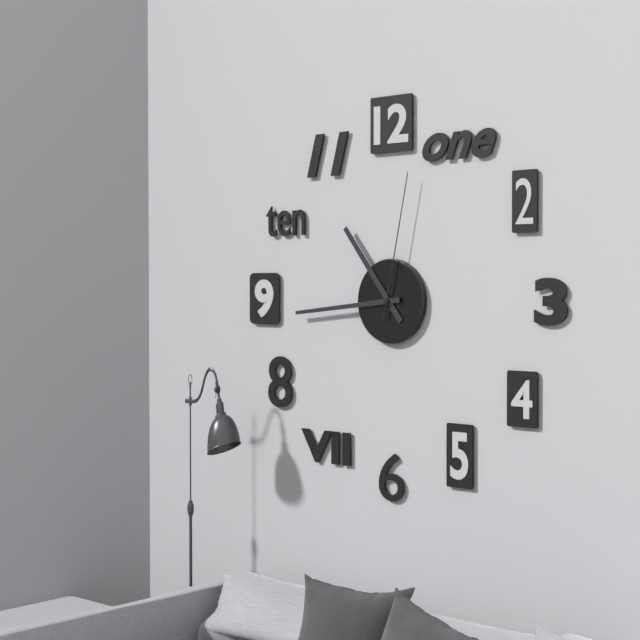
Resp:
**10:44:02**
